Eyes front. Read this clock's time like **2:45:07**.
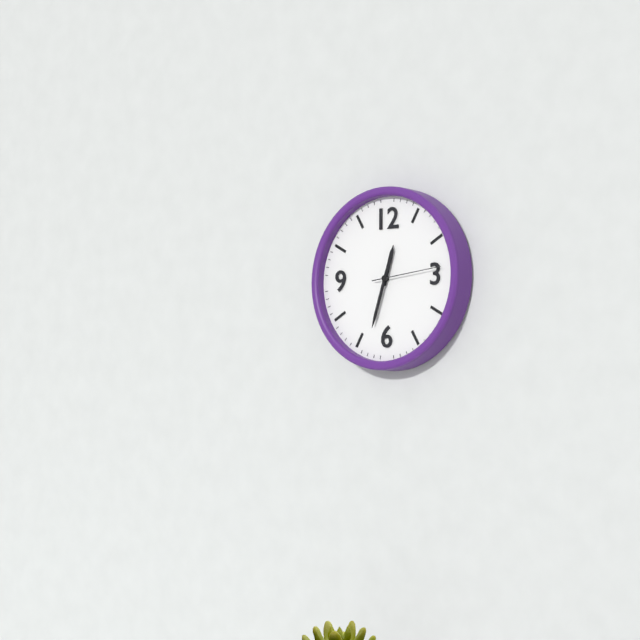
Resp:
**12:33:14**
